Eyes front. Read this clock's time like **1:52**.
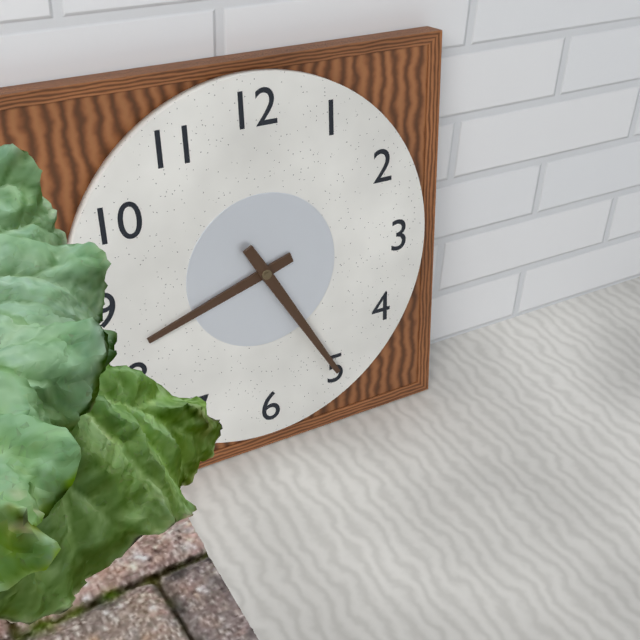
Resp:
**8:25**
